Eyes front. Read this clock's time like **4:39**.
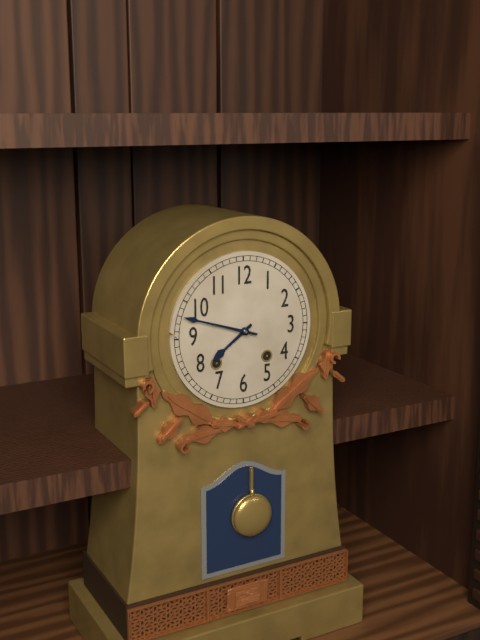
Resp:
**7:48**
